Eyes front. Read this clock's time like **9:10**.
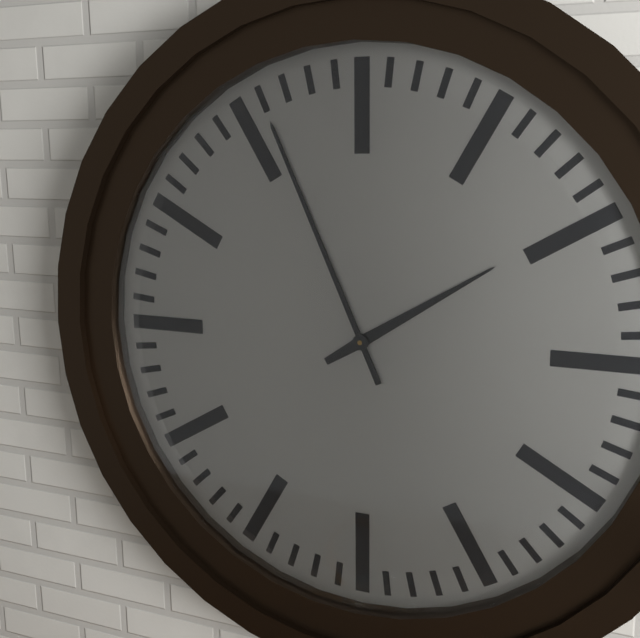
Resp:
**1:56**
